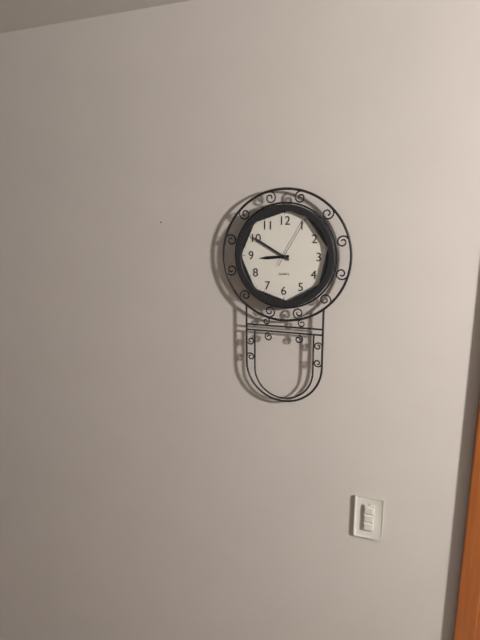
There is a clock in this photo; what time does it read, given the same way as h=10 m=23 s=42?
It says h=8 m=50 s=5
